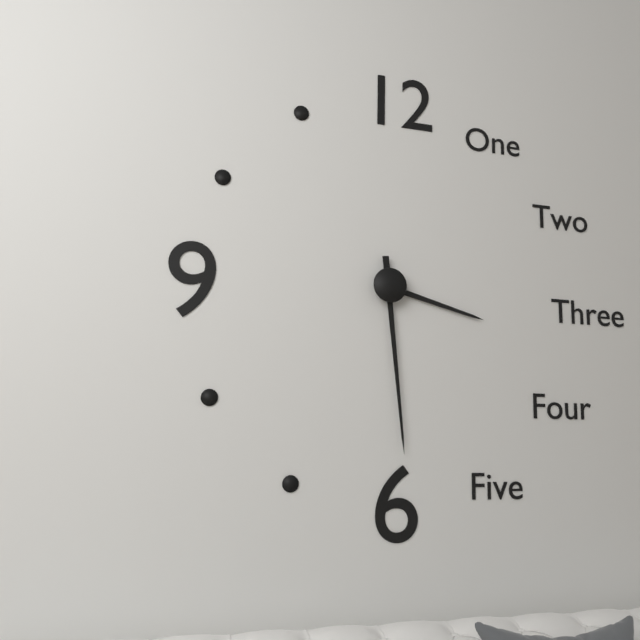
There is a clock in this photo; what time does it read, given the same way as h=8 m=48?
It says h=3 m=29
